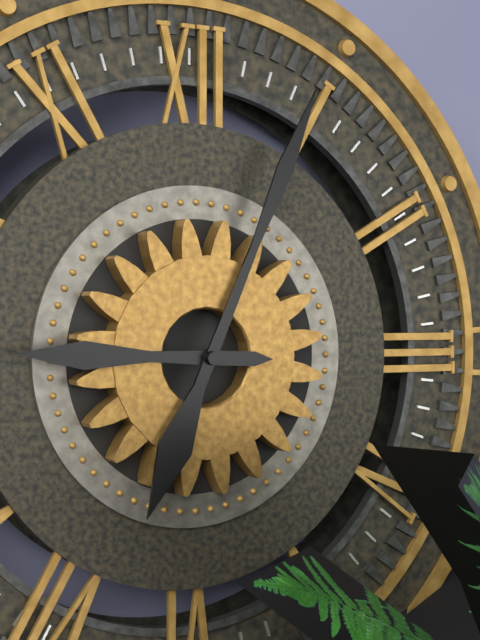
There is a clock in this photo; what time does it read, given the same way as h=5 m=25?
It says h=9 m=4
